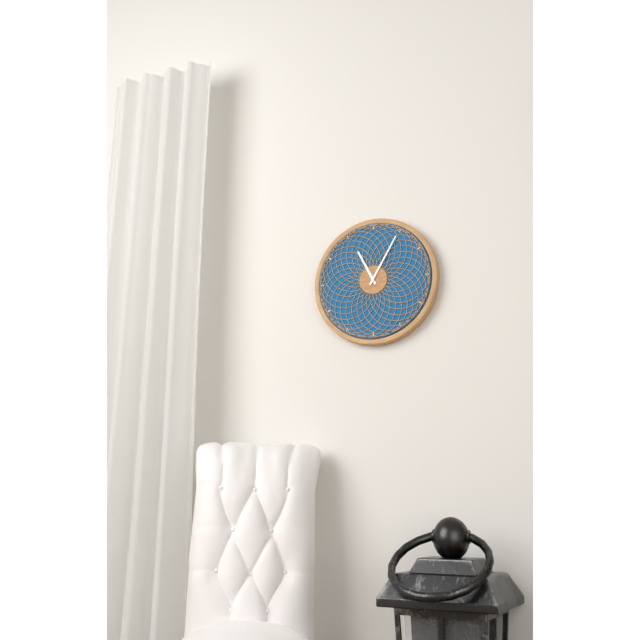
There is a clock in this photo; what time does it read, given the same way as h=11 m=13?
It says h=11 m=5
